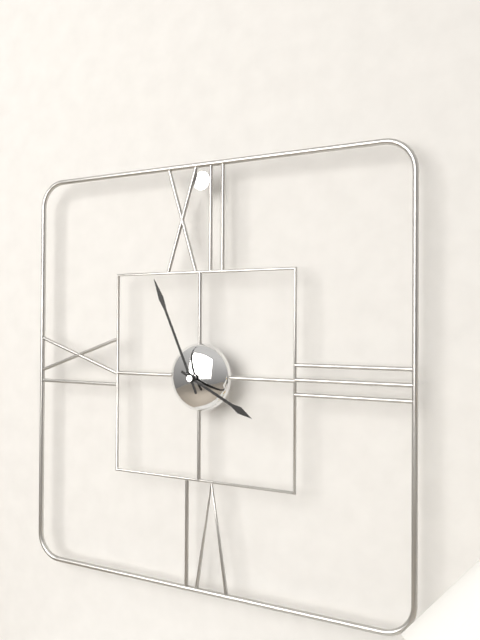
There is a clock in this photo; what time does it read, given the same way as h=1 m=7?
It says h=3 m=56
